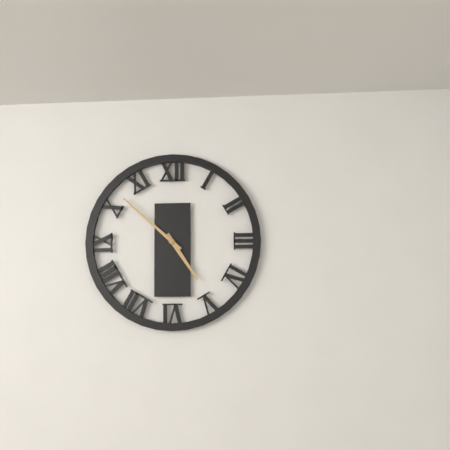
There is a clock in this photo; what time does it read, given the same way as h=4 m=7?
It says h=4 m=52
